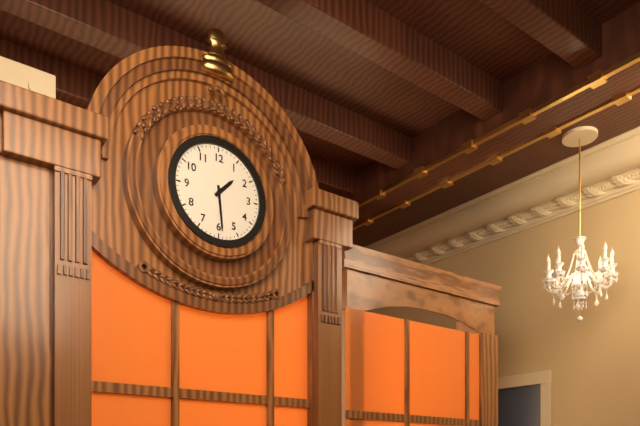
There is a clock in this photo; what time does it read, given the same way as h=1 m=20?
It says h=1 m=29
